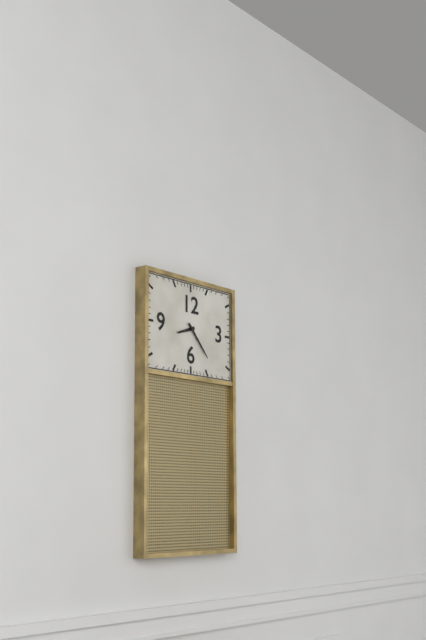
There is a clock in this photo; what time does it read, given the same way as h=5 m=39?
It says h=8 m=23
